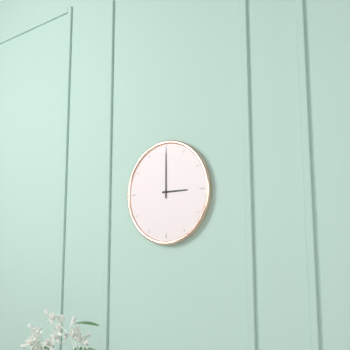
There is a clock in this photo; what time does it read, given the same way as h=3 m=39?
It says h=3 m=0
